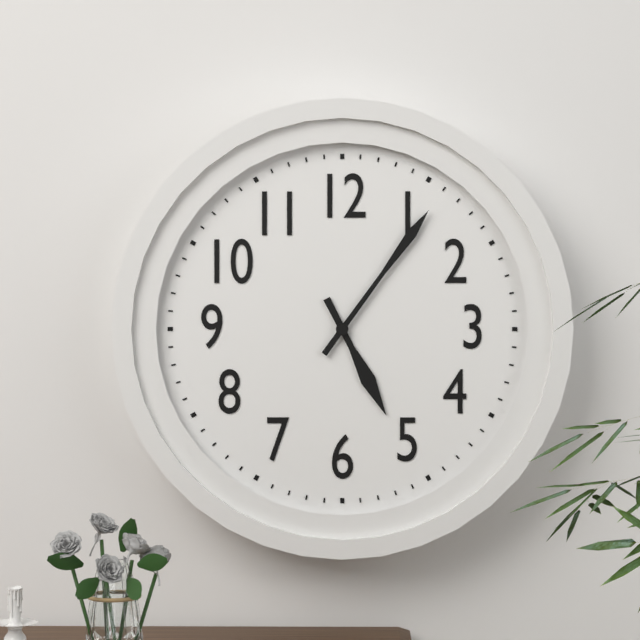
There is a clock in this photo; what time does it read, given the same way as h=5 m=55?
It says h=5 m=6
